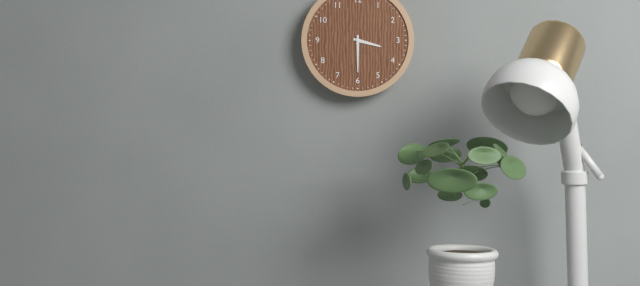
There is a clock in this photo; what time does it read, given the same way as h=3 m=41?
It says h=3 m=30
